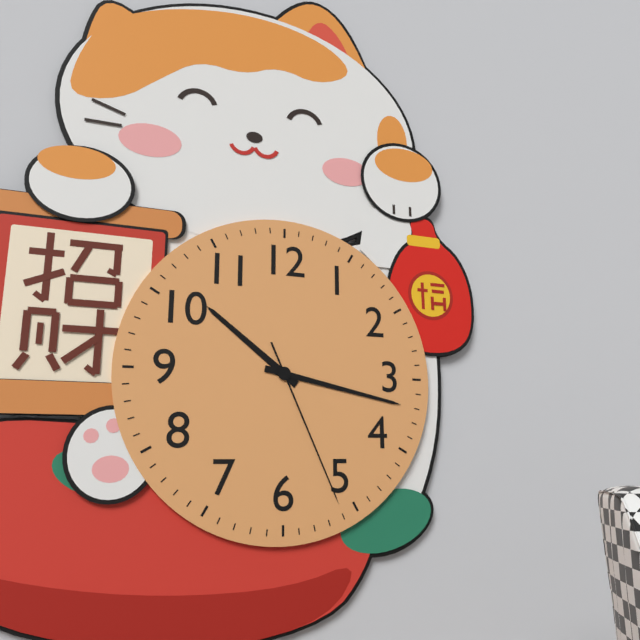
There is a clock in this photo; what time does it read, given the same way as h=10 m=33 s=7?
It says h=10 m=17 s=26
